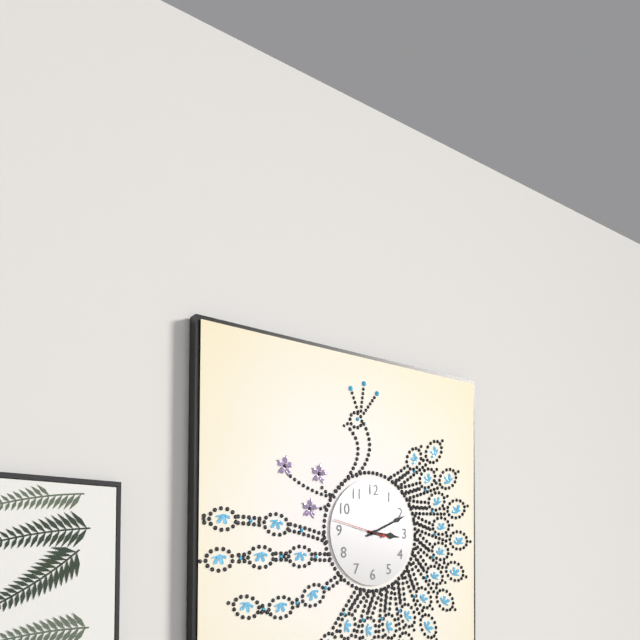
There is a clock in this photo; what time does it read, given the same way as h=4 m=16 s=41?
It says h=3 m=11 s=47
